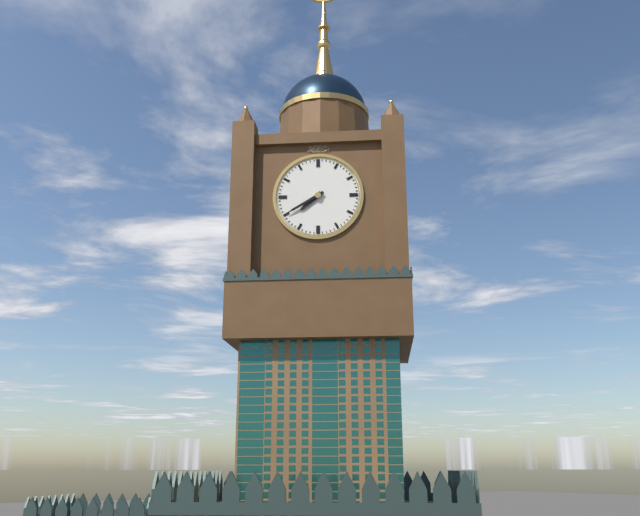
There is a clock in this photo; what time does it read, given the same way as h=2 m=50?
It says h=7 m=40
